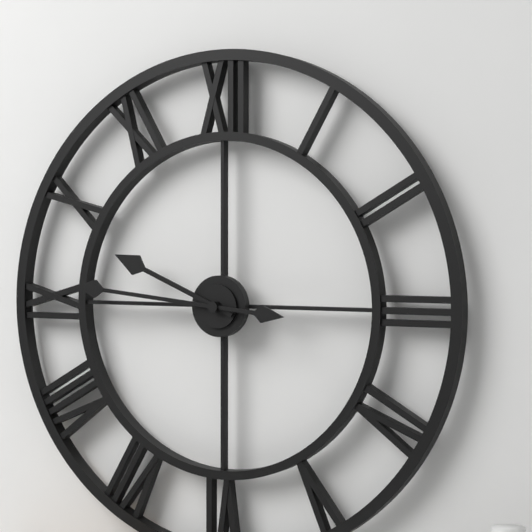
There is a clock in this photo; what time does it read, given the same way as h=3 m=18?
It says h=9 m=46
